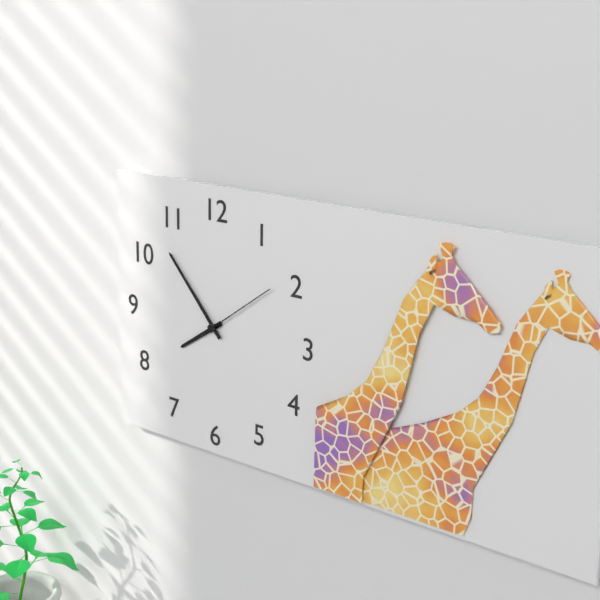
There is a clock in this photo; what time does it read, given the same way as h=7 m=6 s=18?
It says h=7 m=53 s=9
